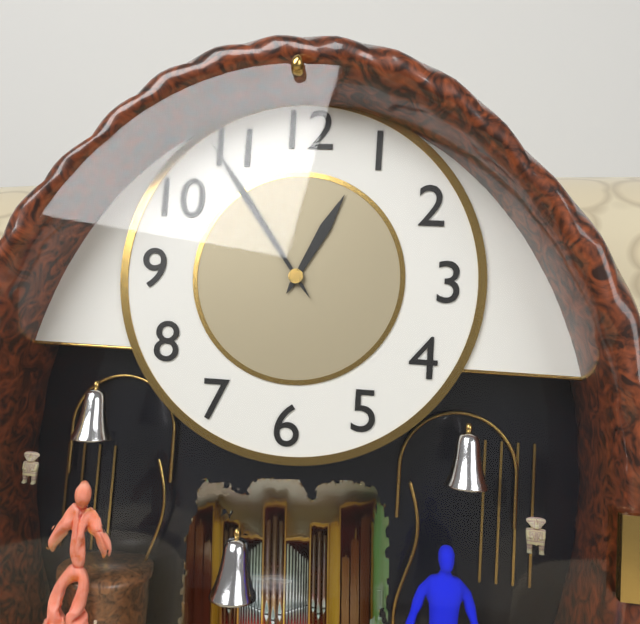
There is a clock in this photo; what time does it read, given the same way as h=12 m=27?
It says h=12 m=54
